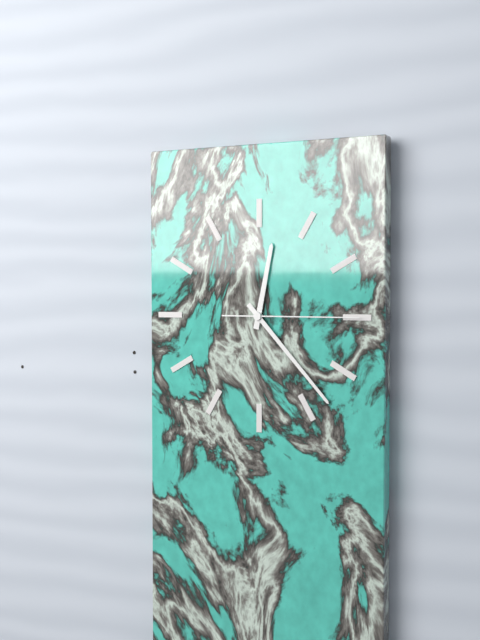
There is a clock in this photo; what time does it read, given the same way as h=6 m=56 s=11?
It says h=12 m=23 s=15
